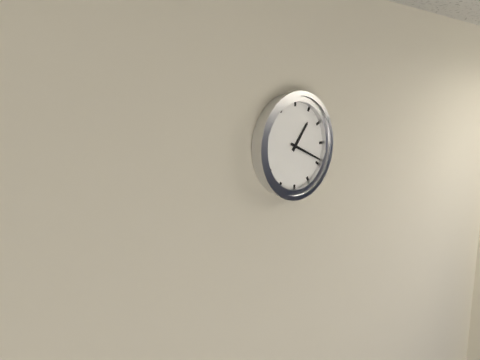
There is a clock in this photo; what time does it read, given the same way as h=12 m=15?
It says h=1 m=19
